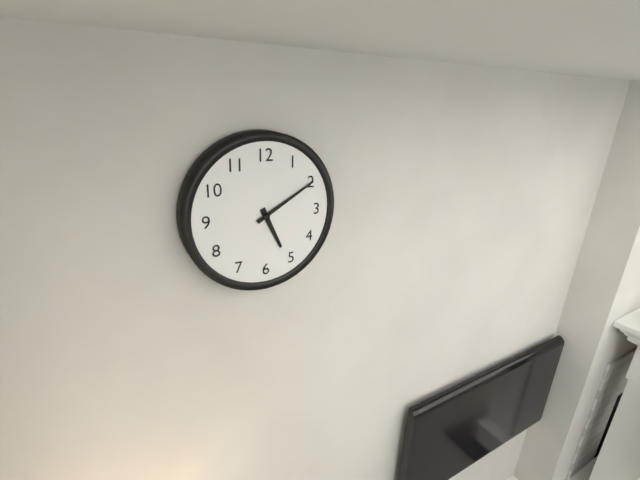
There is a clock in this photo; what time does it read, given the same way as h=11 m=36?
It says h=5 m=10
